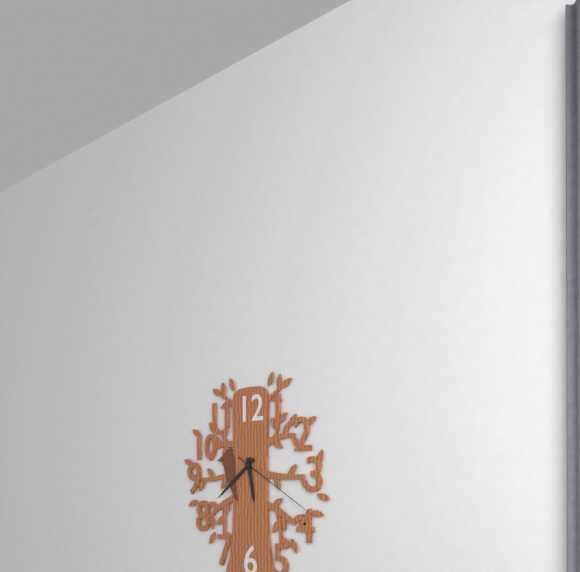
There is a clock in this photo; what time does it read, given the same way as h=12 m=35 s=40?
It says h=5 m=39 s=20
